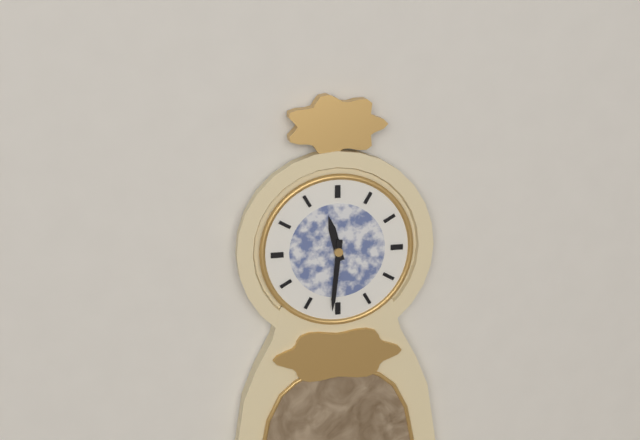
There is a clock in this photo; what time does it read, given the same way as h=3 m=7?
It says h=11 m=31
